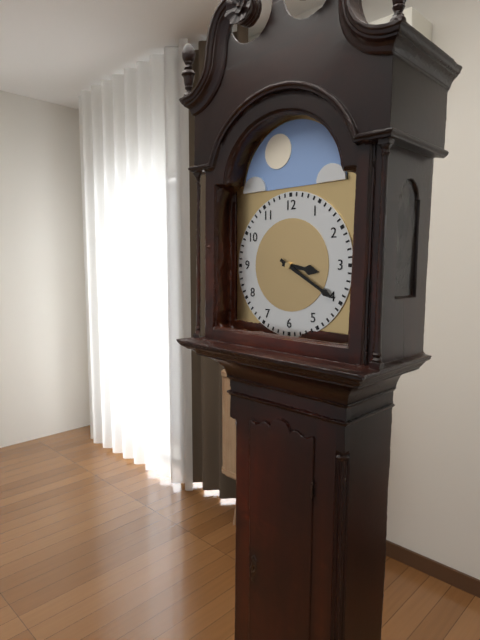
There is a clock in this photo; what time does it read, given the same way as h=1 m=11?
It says h=3 m=20
